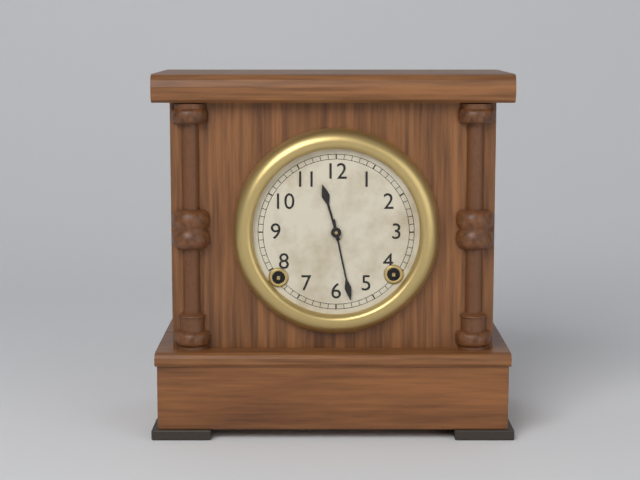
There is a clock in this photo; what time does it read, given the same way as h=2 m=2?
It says h=11 m=28
